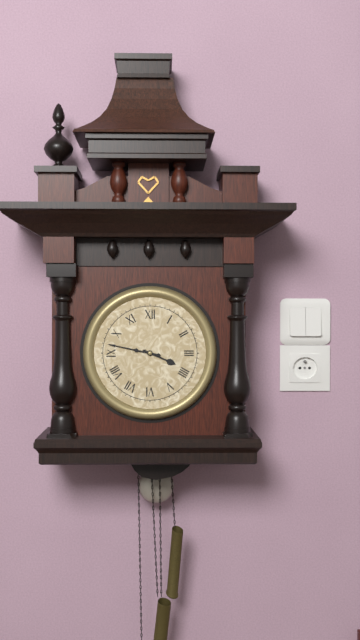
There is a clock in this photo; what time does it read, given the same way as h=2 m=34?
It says h=3 m=47
